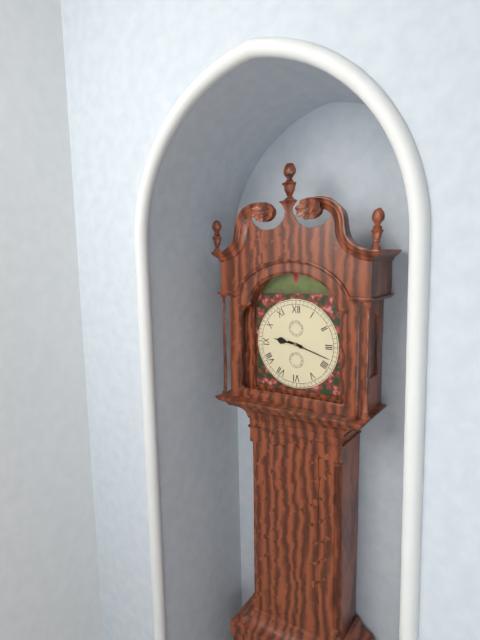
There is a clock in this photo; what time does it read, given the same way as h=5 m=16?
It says h=9 m=18
